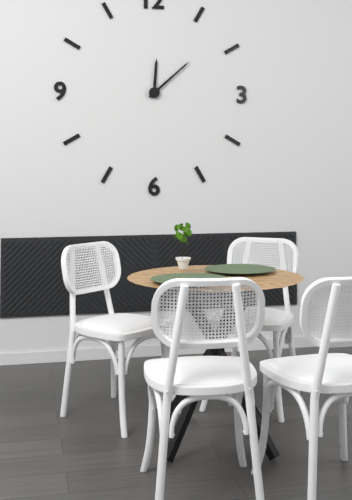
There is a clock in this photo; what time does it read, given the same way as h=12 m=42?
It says h=12 m=8
